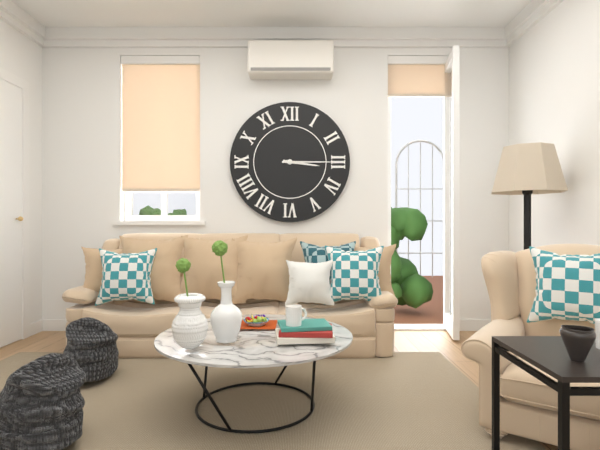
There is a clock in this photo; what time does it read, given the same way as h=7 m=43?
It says h=3 m=15
